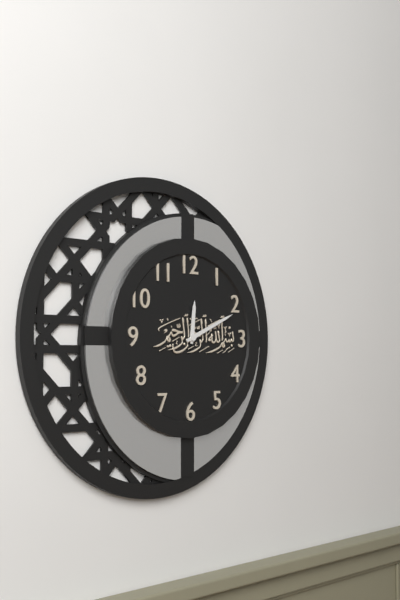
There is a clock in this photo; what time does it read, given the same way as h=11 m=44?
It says h=12 m=11
